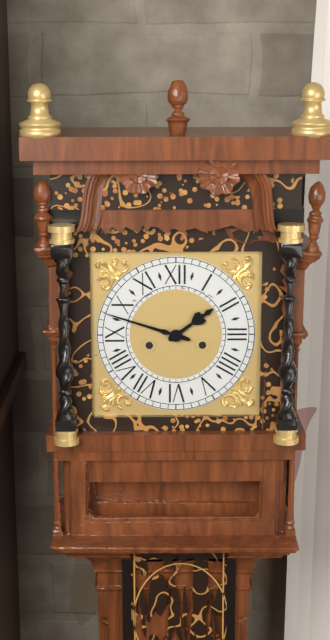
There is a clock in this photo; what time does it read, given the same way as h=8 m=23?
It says h=1 m=48
